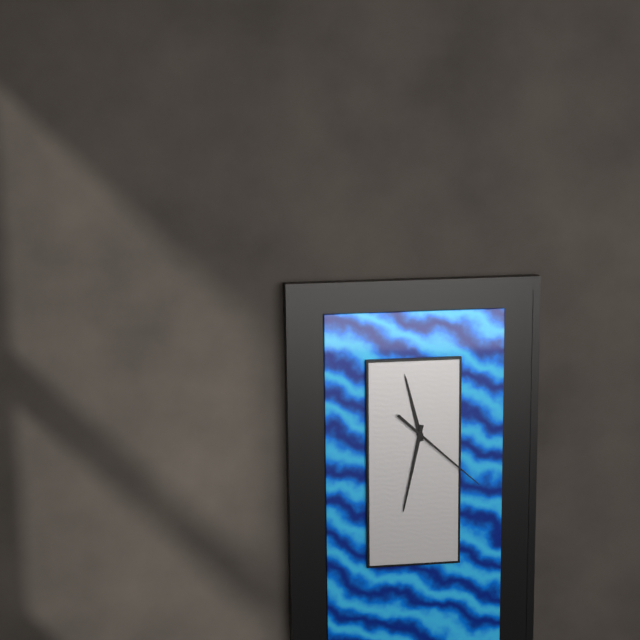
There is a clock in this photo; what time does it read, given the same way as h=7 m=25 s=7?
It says h=11 m=32 s=22
